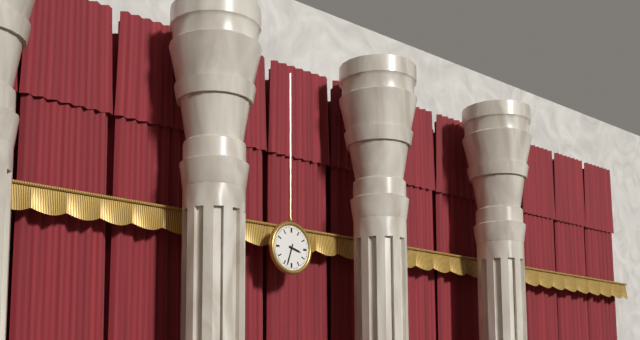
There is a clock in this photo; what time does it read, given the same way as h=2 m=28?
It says h=3 m=33
